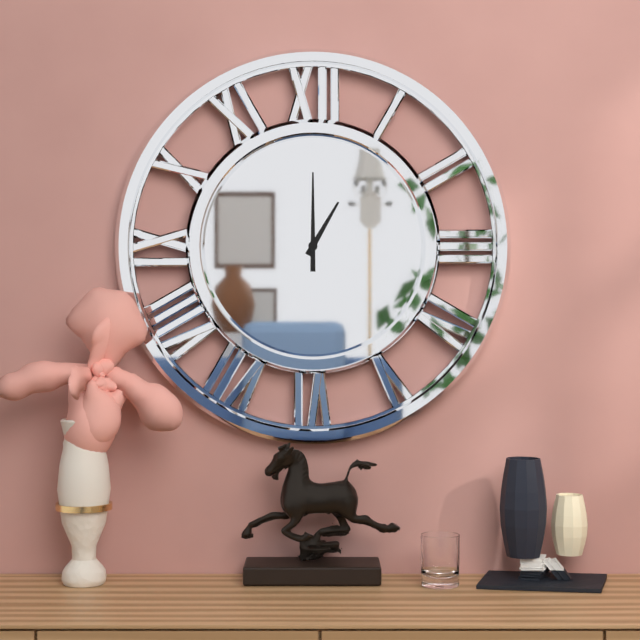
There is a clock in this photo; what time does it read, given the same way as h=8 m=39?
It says h=1 m=0
